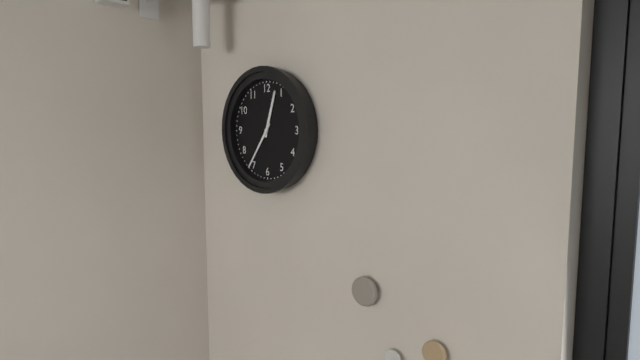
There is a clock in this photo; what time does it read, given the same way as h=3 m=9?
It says h=12 m=36
